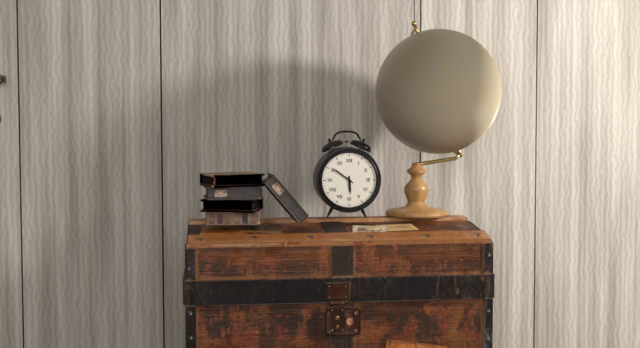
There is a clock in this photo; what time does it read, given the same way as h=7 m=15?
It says h=5 m=51
